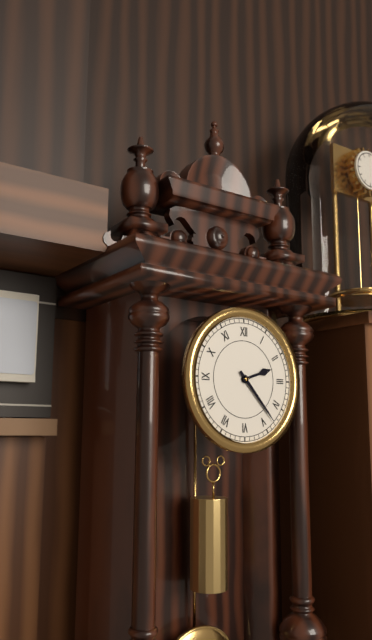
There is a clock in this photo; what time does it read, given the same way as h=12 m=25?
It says h=2 m=23
